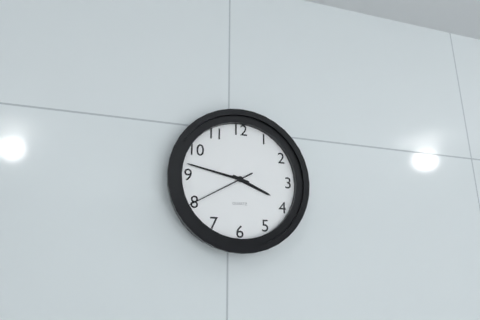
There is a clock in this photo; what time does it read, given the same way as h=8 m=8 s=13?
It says h=3 m=47 s=40
